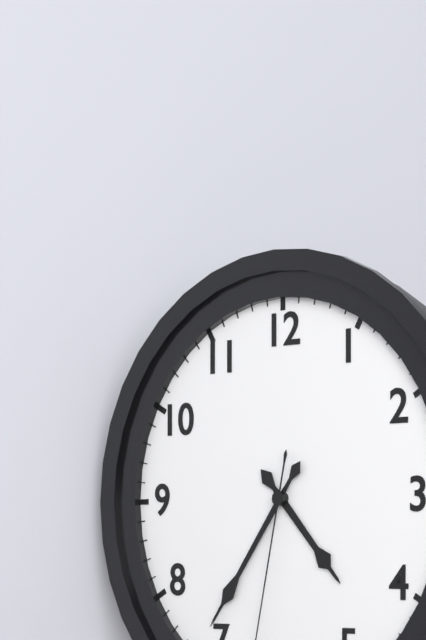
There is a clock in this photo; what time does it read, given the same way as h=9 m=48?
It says h=4 m=36
